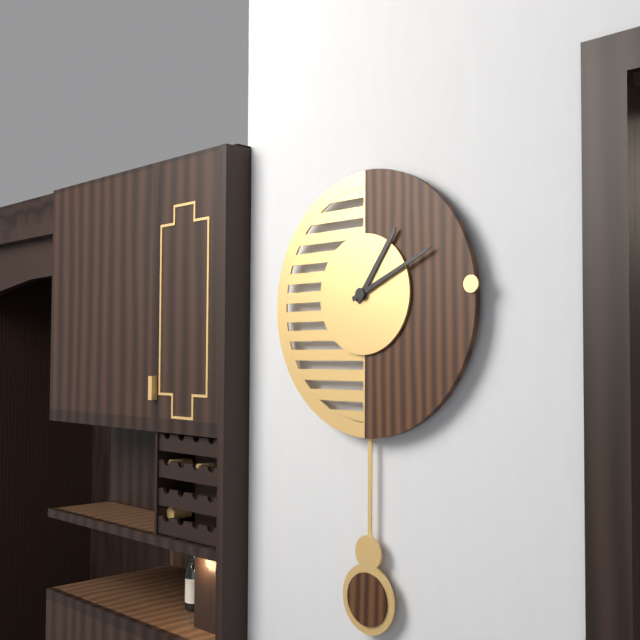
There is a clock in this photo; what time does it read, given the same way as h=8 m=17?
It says h=1 m=11
